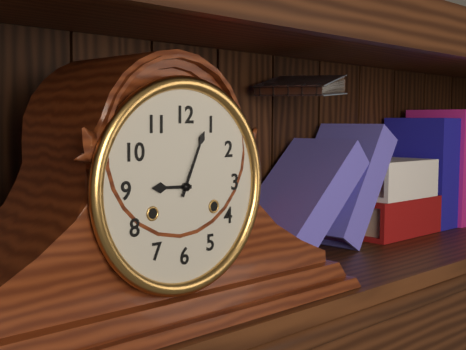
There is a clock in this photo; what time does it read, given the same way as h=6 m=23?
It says h=9 m=4
